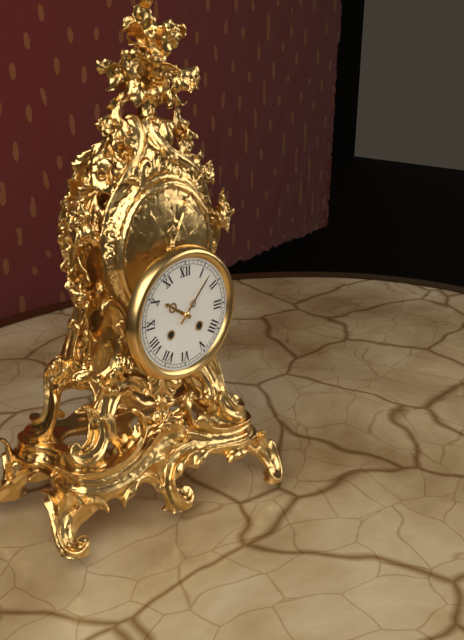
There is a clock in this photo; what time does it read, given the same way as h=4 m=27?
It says h=10 m=7
